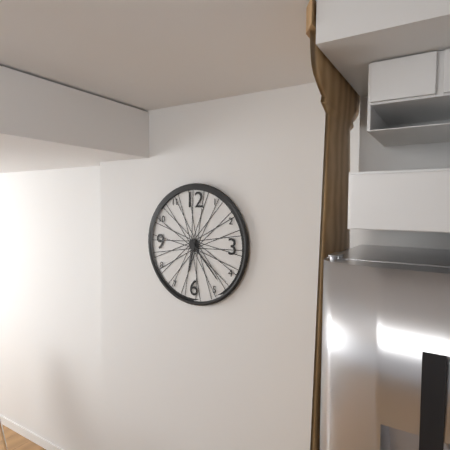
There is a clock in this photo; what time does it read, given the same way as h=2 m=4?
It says h=6 m=23
